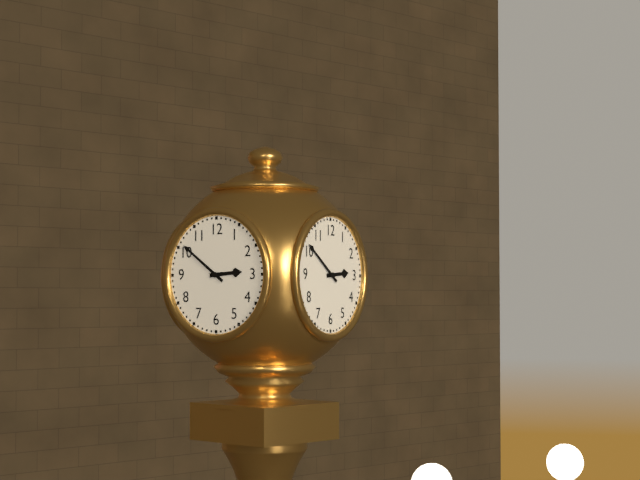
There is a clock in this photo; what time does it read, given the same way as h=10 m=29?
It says h=2 m=51
